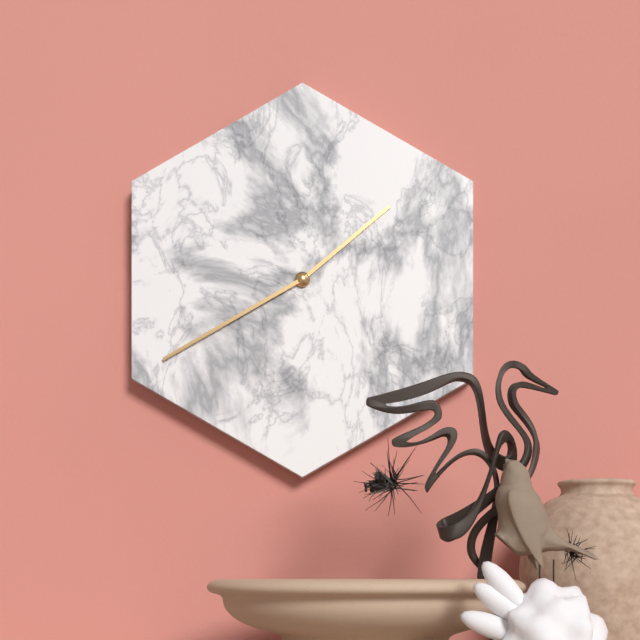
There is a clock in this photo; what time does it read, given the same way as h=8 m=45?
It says h=1 m=40
